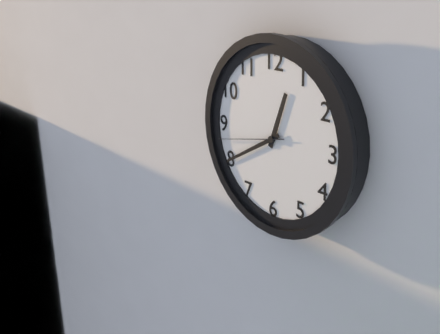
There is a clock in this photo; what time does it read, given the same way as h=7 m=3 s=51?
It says h=12 m=40 s=43
